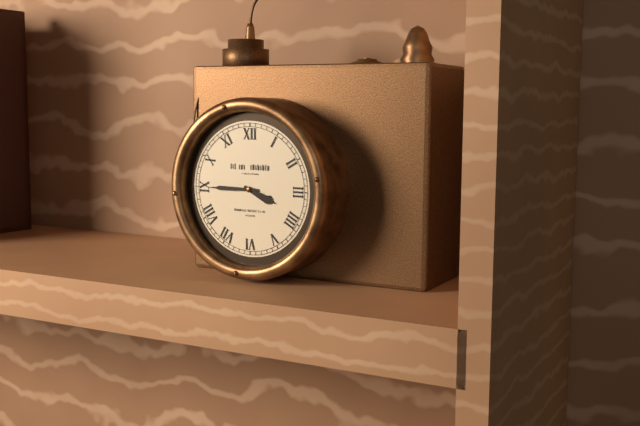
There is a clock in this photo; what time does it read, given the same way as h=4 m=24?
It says h=3 m=45
